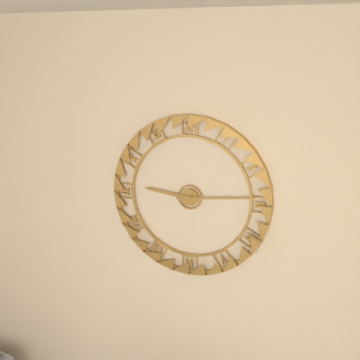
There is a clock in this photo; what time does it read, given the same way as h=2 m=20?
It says h=9 m=14
